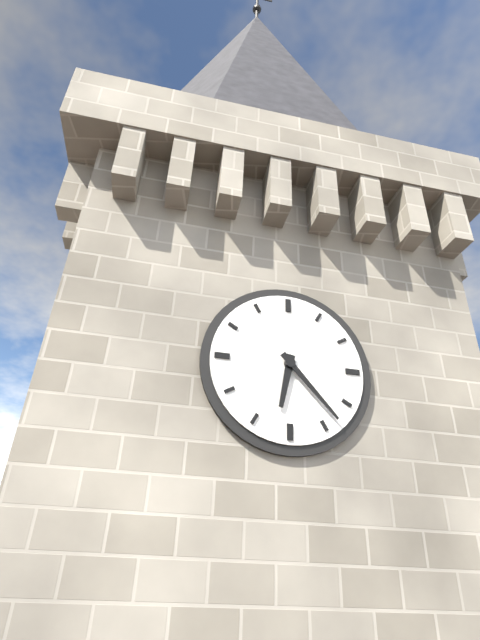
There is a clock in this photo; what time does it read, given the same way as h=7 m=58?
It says h=6 m=23
